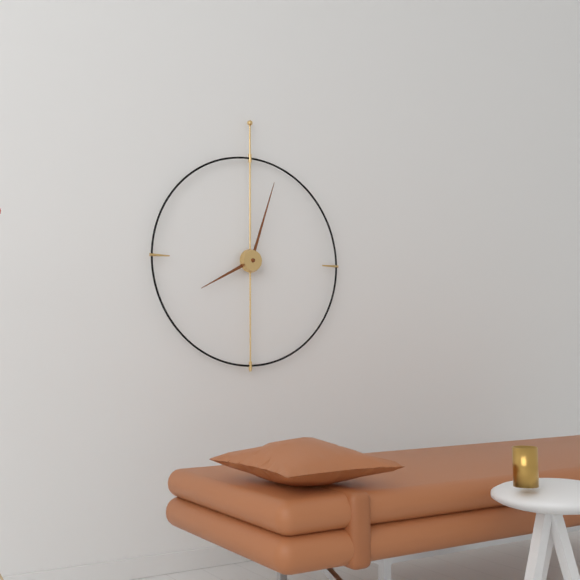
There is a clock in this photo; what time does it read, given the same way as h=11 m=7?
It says h=8 m=3
